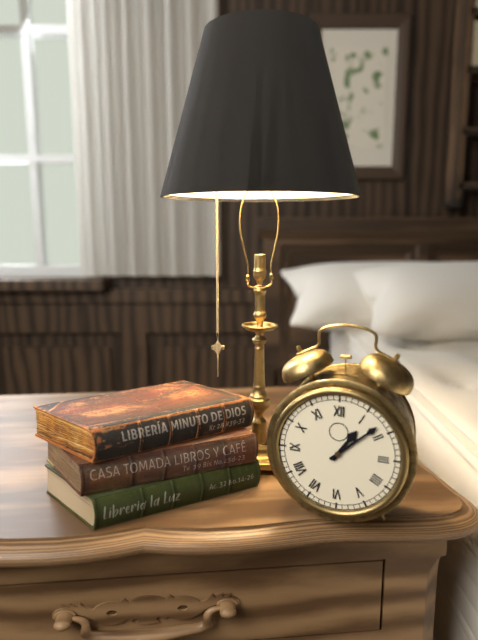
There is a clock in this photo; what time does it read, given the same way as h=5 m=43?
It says h=1 m=8
